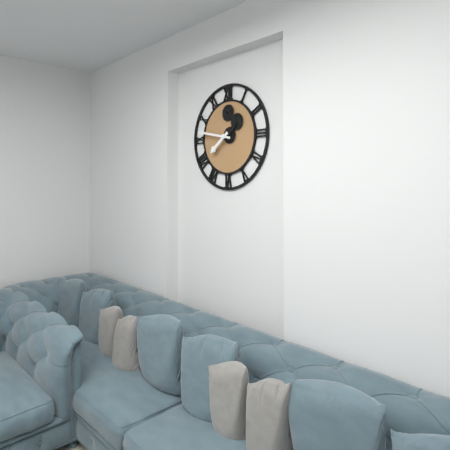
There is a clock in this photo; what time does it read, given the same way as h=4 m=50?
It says h=7 m=47
